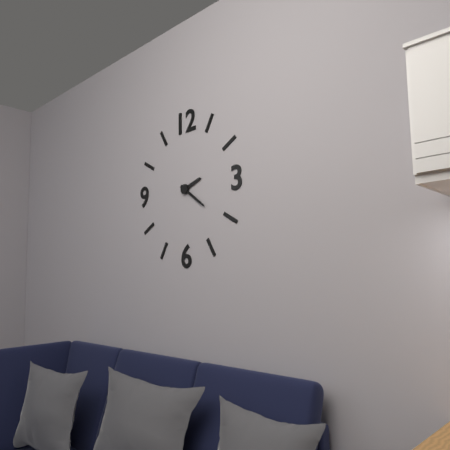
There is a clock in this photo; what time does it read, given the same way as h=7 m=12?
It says h=2 m=21
